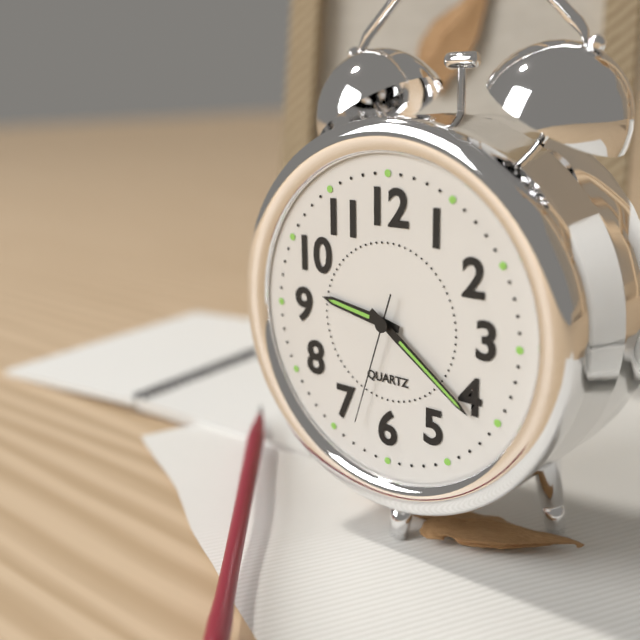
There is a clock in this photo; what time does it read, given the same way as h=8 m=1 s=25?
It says h=9 m=21 s=33
